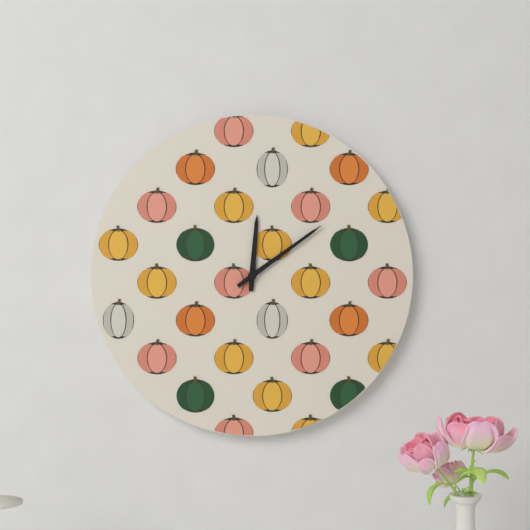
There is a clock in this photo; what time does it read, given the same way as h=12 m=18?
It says h=12 m=9
